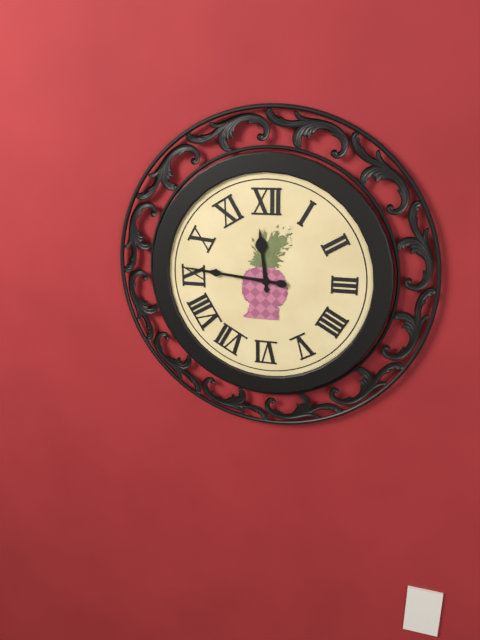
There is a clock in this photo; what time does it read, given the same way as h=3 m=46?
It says h=11 m=46
